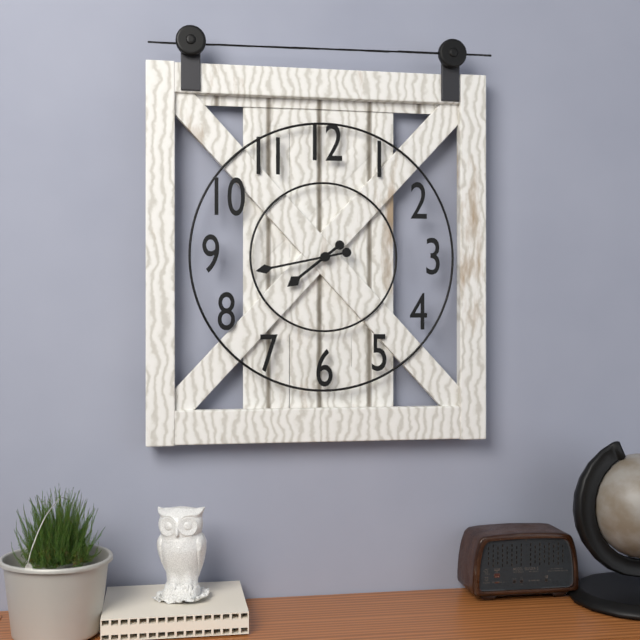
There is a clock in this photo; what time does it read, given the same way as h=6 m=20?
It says h=7 m=43
